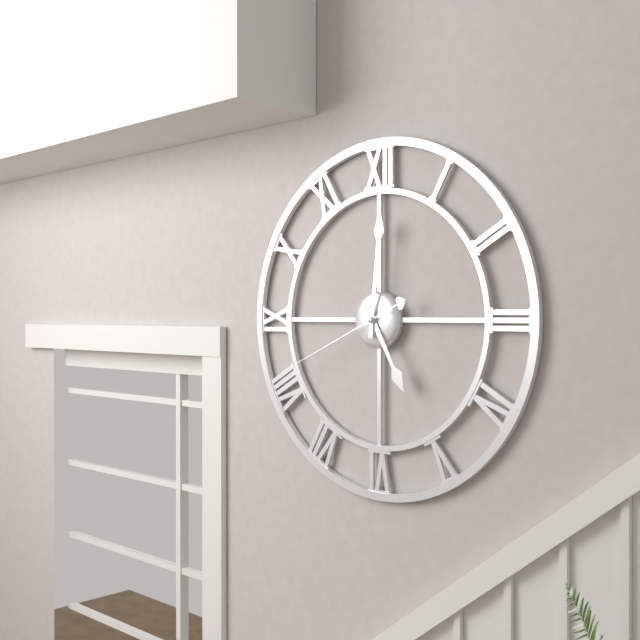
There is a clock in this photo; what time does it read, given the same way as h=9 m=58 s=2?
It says h=5 m=1 s=41
